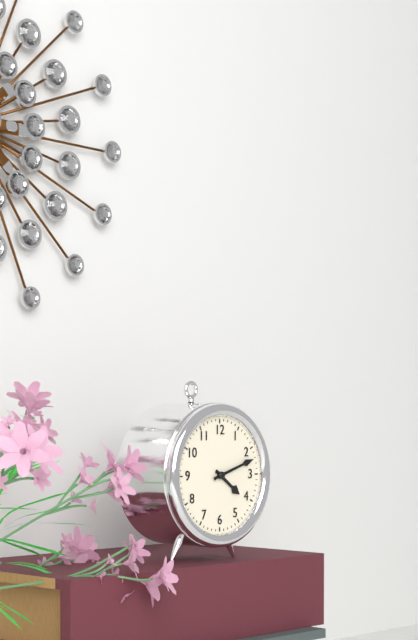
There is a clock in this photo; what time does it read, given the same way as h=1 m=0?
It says h=4 m=12
